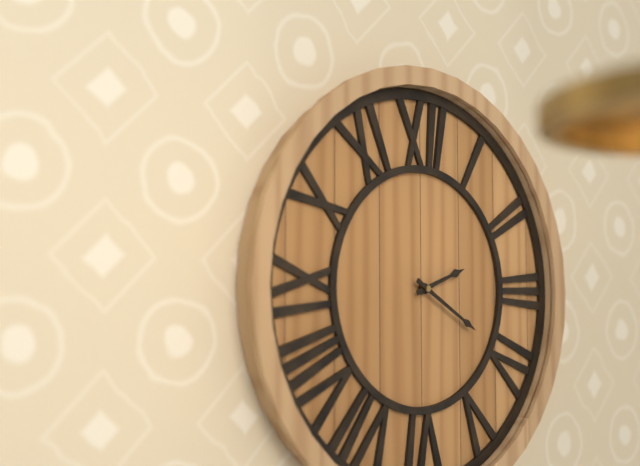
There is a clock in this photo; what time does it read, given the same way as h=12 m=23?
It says h=2 m=20
